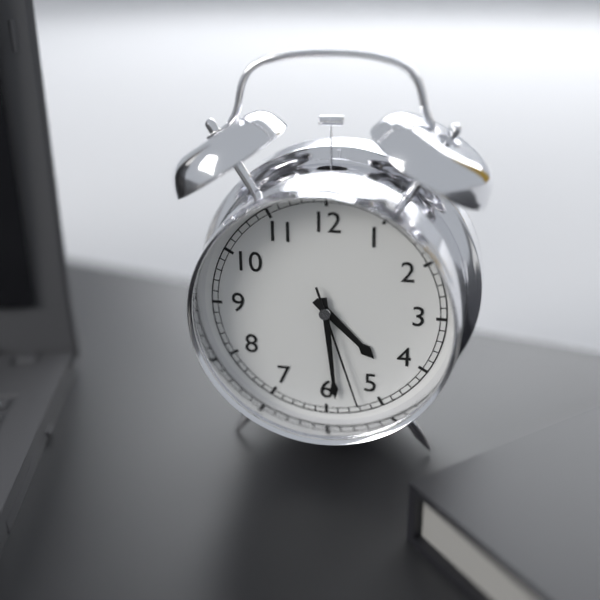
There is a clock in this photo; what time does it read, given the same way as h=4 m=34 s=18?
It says h=4 m=29 s=27
